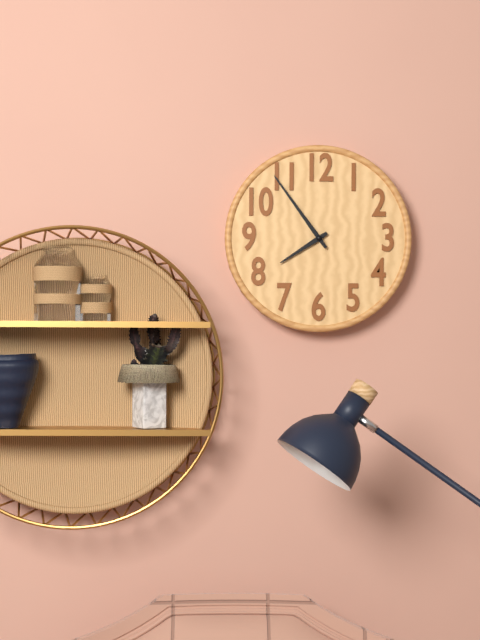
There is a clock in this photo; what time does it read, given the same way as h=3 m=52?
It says h=7 m=54
